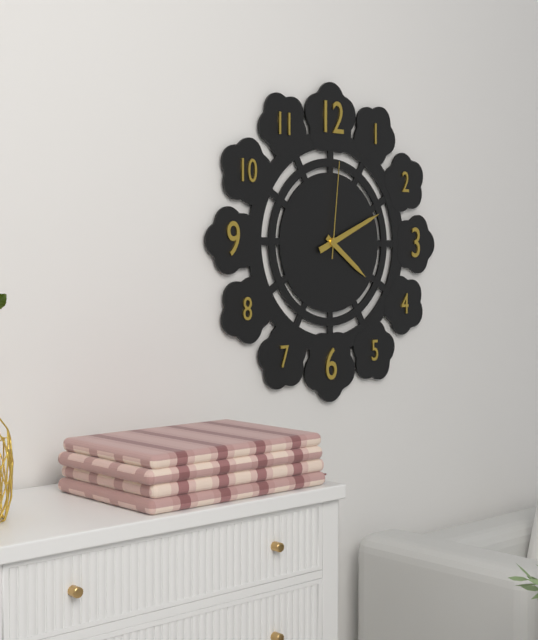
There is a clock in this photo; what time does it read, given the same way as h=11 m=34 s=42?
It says h=4 m=11 s=1
